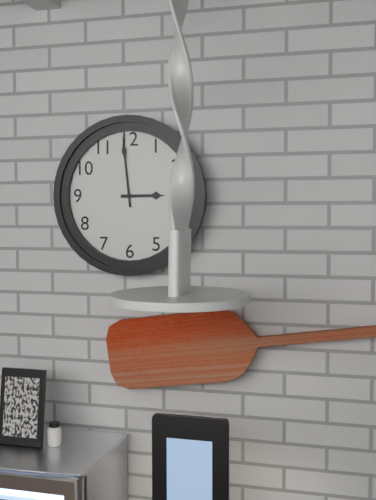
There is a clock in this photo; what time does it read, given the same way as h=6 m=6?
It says h=2 m=59
